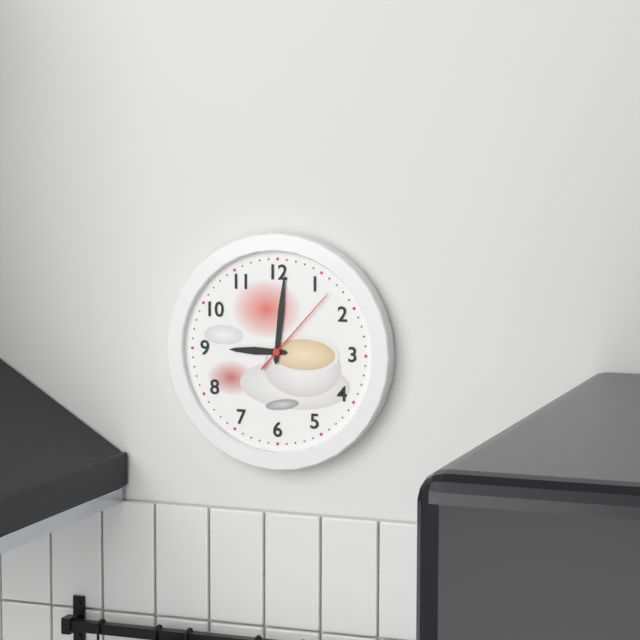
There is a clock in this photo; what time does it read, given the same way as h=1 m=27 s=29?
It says h=9 m=1 s=7
